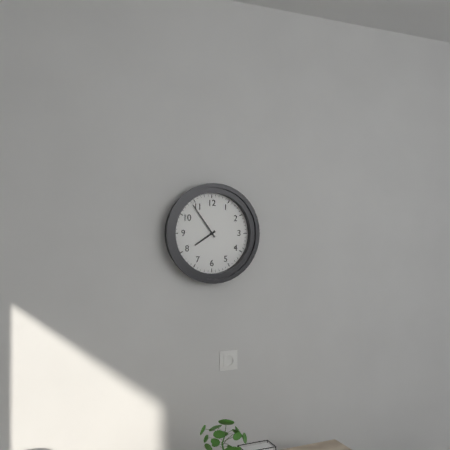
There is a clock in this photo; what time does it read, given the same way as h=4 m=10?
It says h=7 m=54
